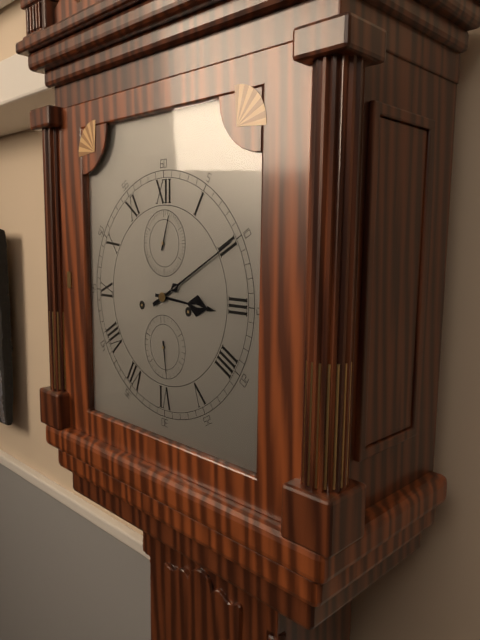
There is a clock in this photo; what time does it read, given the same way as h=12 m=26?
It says h=3 m=10
